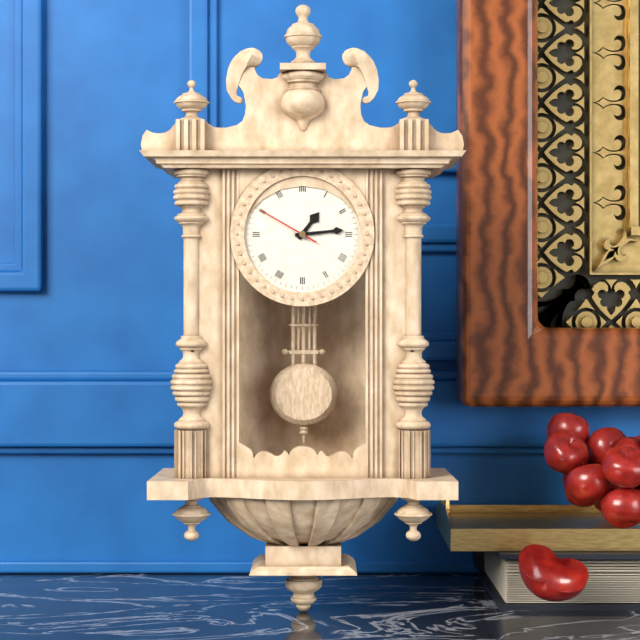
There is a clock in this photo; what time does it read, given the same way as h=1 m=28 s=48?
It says h=1 m=14 s=50
